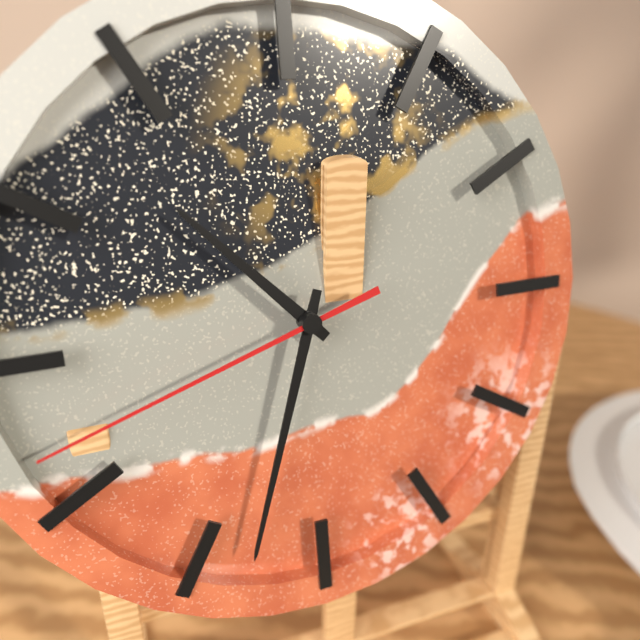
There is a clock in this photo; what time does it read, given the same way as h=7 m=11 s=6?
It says h=10 m=33 s=42
